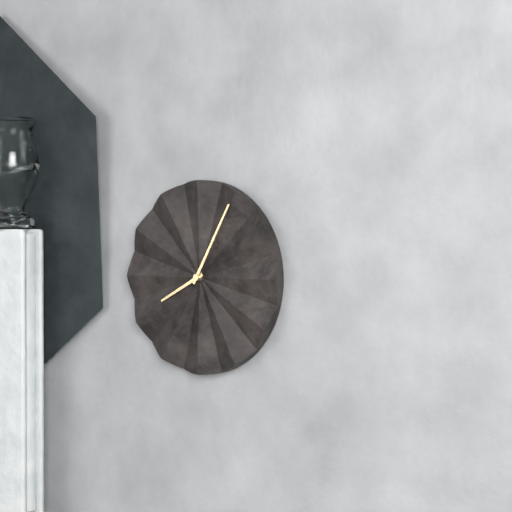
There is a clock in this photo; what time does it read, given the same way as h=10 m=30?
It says h=8 m=5
